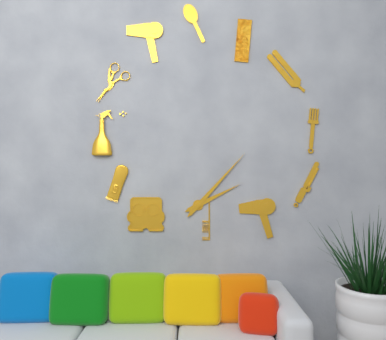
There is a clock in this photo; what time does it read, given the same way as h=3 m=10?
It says h=2 m=7
